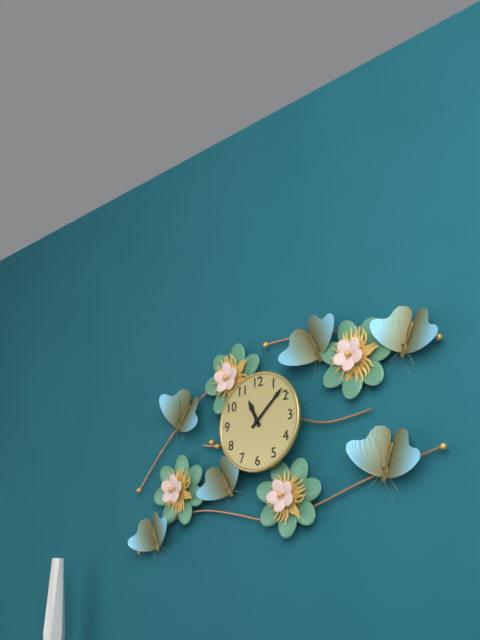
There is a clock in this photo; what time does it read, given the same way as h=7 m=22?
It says h=11 m=8
